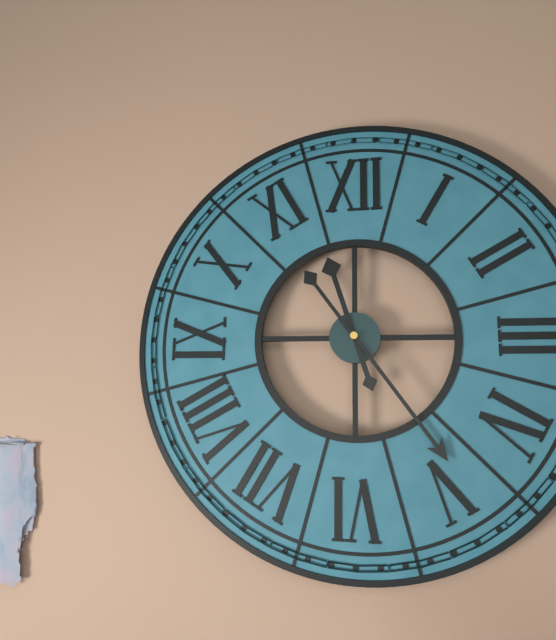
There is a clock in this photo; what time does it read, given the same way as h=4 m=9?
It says h=11 m=24
